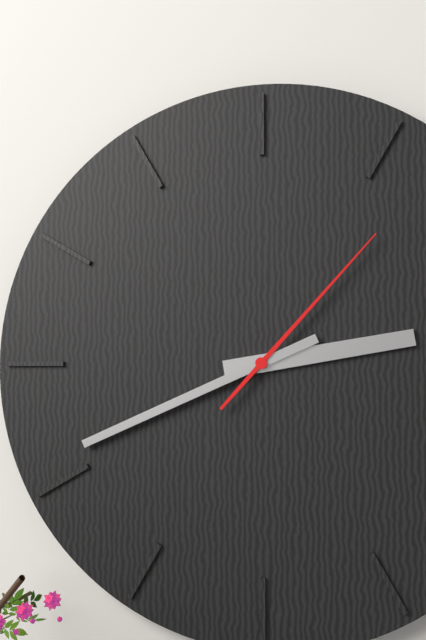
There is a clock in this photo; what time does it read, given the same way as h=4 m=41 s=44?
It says h=2 m=41 s=7
